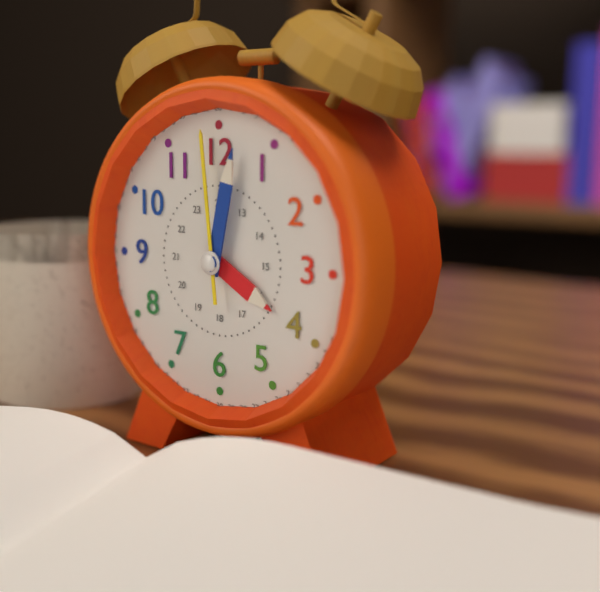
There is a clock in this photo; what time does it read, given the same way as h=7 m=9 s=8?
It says h=4 m=2 s=59
